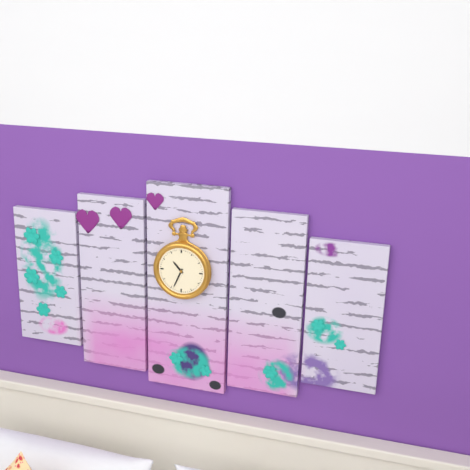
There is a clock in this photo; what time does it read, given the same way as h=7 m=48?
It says h=10 m=34
